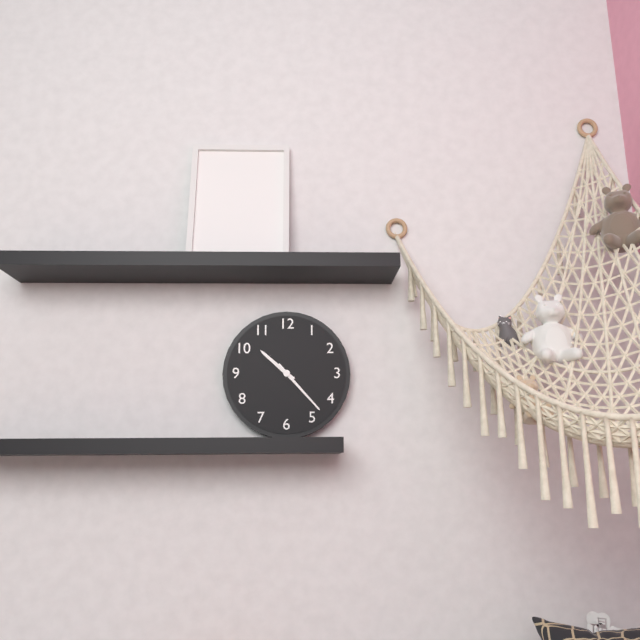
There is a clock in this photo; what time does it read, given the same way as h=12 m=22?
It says h=10 m=23
